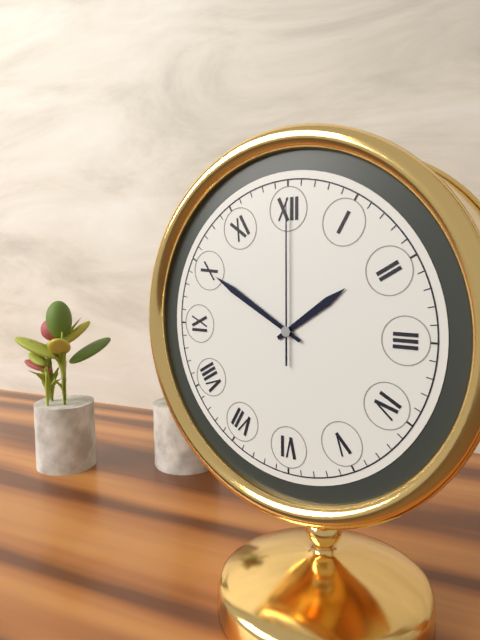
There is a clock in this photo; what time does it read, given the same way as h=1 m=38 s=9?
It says h=1 m=50 s=0
